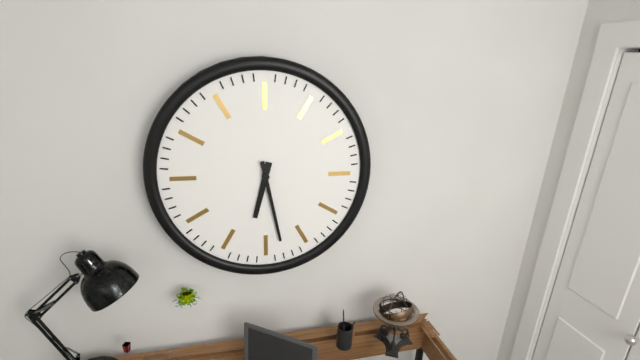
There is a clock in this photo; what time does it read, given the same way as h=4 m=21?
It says h=6 m=28
